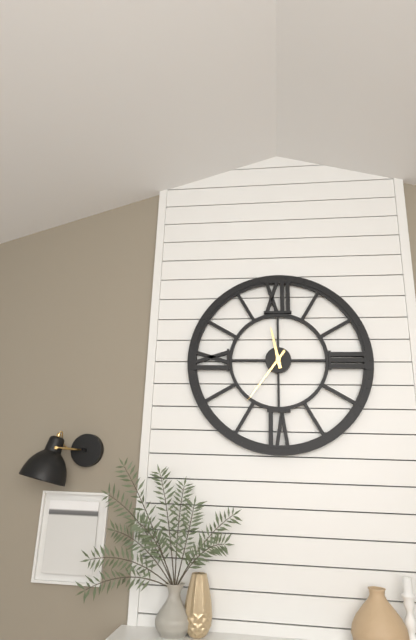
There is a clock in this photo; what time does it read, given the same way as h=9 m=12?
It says h=11 m=36
